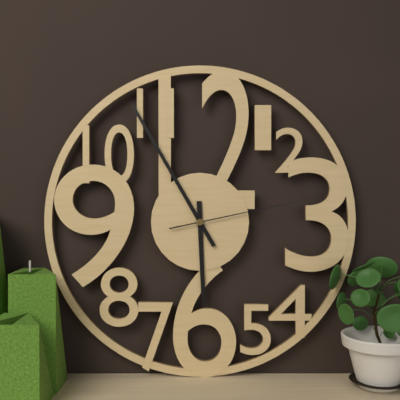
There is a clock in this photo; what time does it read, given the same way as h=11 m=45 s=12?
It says h=5 m=55 s=13
